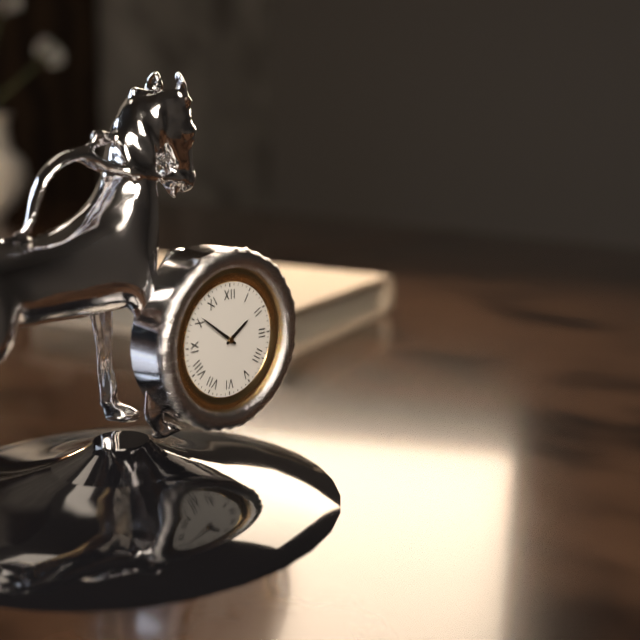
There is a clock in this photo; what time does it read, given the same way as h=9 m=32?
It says h=1 m=51
